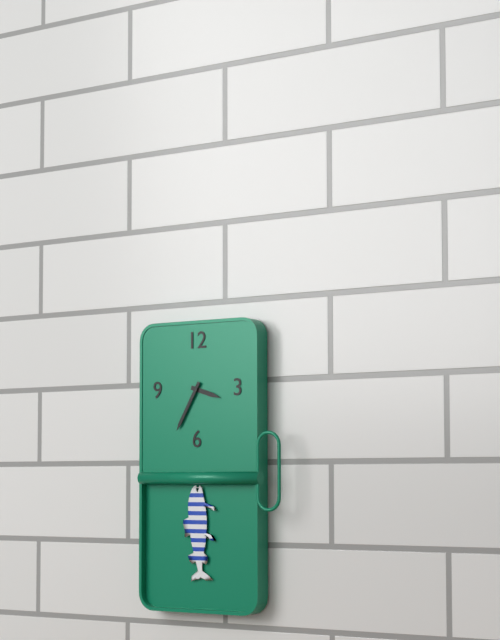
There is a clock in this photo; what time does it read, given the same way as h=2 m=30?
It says h=3 m=35
